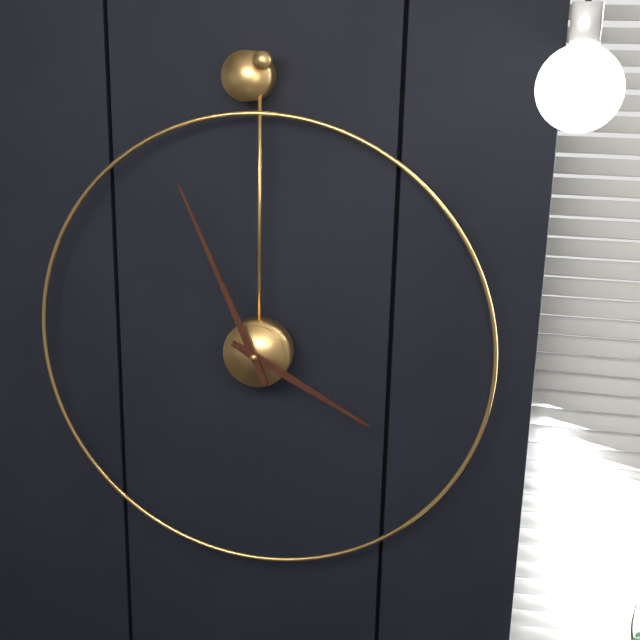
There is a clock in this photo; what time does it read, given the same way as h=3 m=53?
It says h=3 m=56
